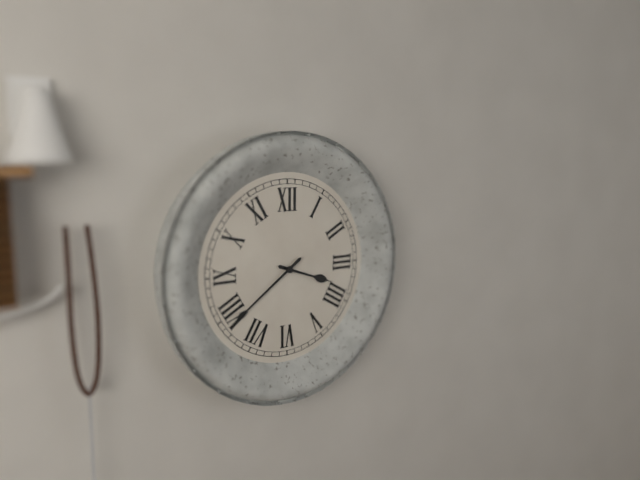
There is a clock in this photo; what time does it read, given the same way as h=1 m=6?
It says h=3 m=39
